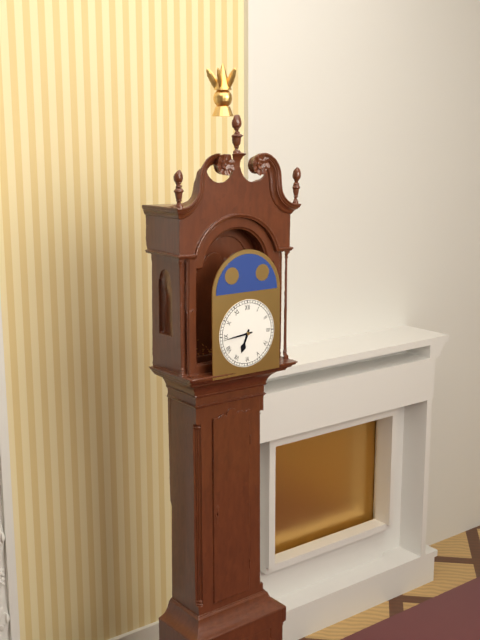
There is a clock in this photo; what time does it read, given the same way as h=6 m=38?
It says h=6 m=44
